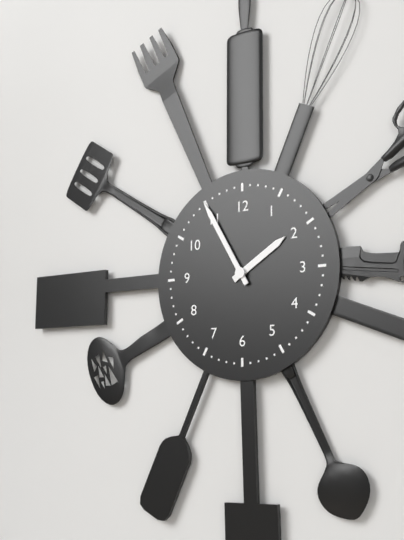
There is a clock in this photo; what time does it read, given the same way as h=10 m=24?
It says h=1 m=55
